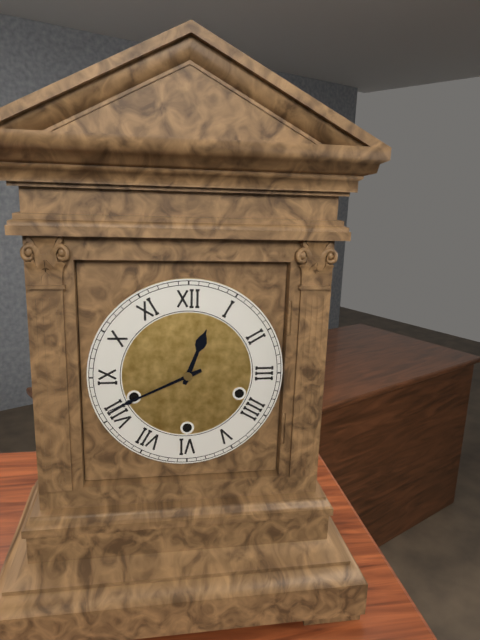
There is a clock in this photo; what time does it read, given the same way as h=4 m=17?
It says h=12 m=41
